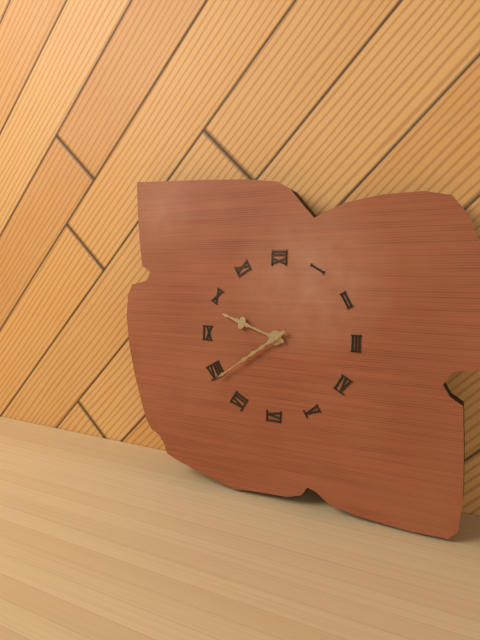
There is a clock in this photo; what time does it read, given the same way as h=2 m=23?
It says h=9 m=39
